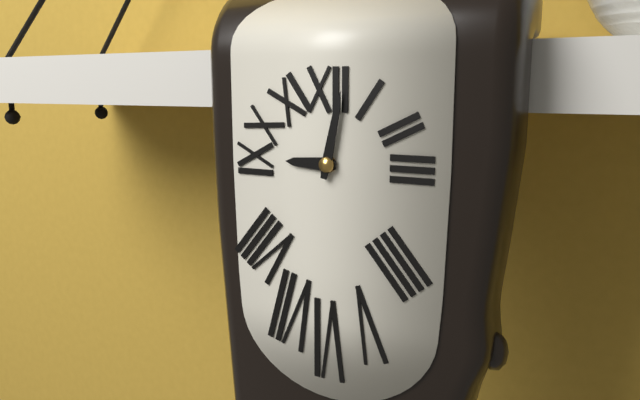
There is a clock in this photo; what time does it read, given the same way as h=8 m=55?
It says h=9 m=2
